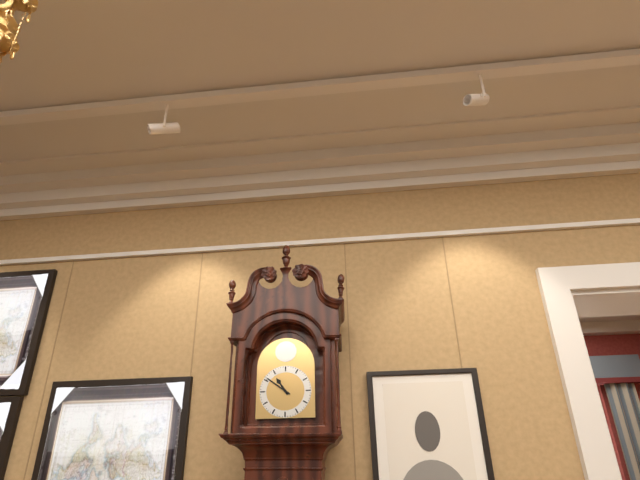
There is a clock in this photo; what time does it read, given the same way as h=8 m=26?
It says h=10 m=51
